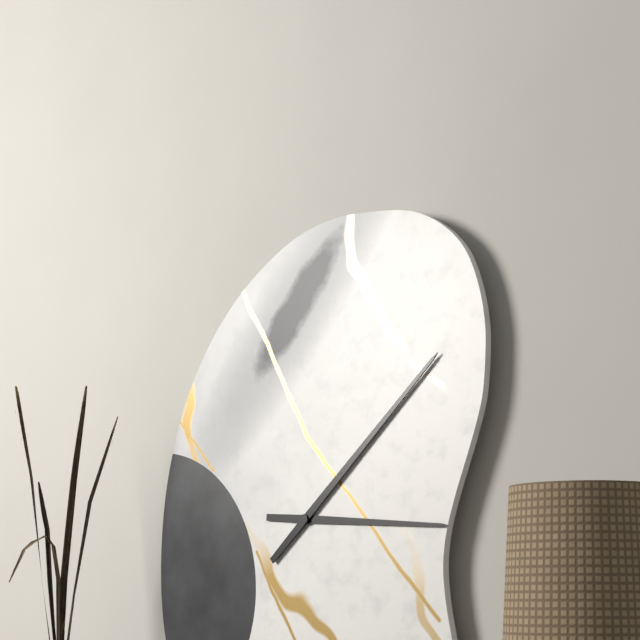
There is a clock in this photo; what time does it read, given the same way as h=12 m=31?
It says h=3 m=8
